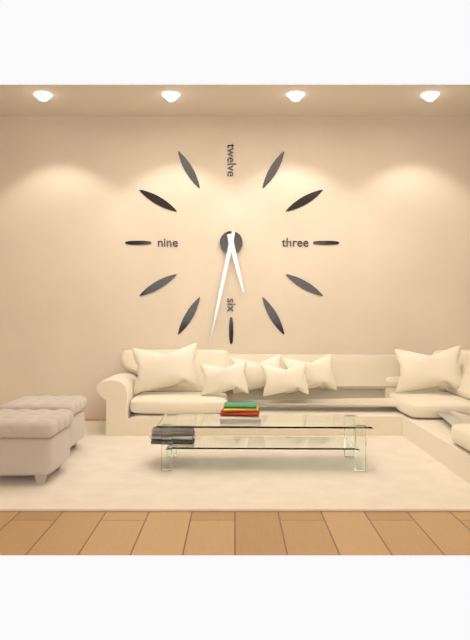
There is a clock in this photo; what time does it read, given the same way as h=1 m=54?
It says h=5 m=32
